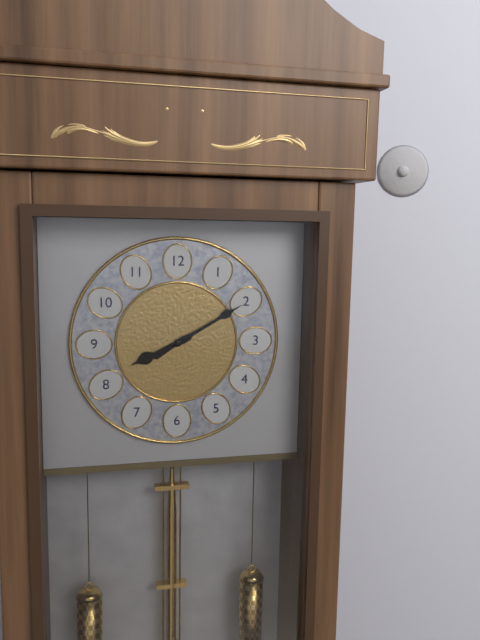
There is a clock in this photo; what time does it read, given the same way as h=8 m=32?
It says h=8 m=10
